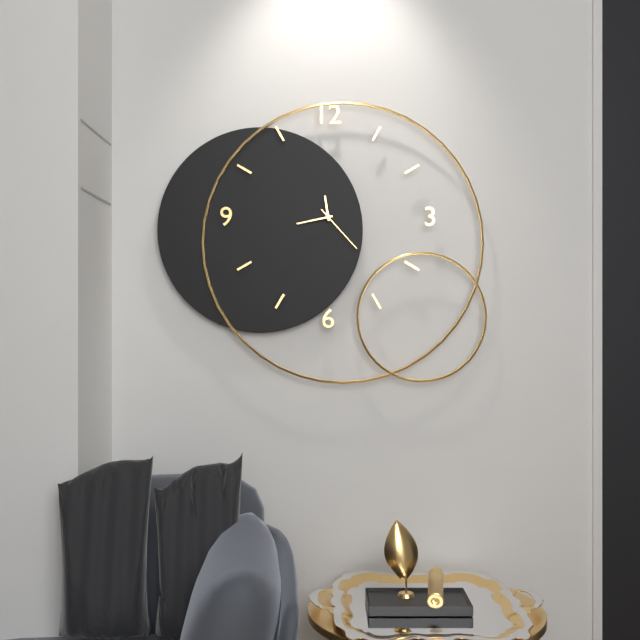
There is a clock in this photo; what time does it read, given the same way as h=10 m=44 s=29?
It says h=11 m=43 s=23
